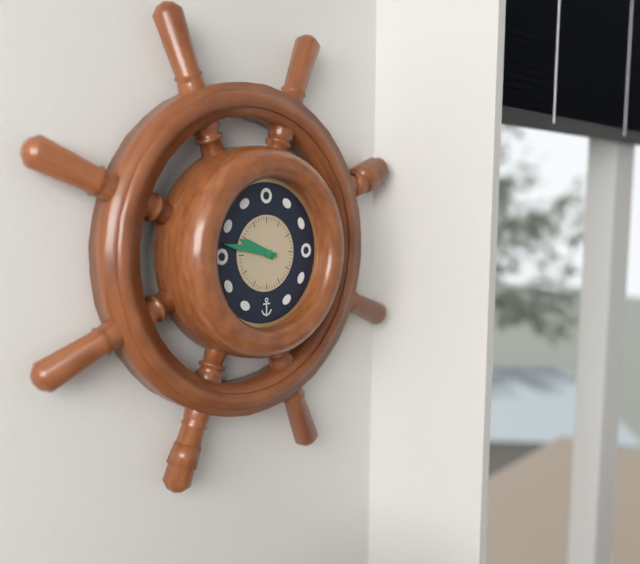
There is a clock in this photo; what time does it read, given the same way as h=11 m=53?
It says h=9 m=47
